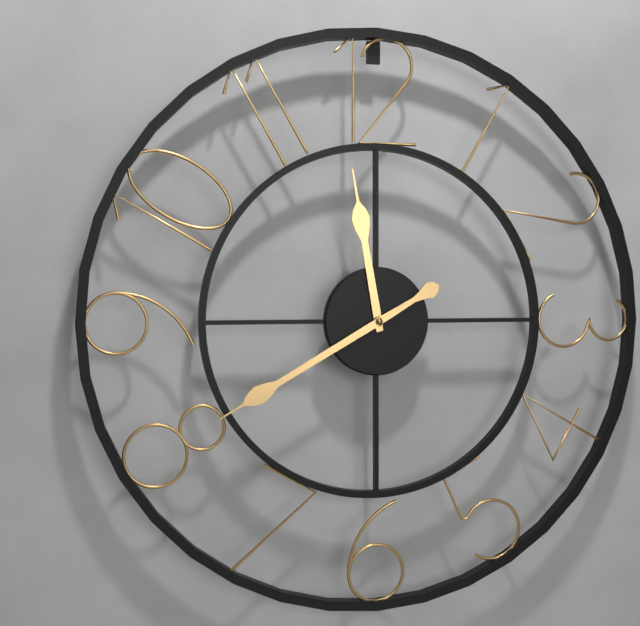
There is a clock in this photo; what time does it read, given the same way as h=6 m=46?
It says h=11 m=40
